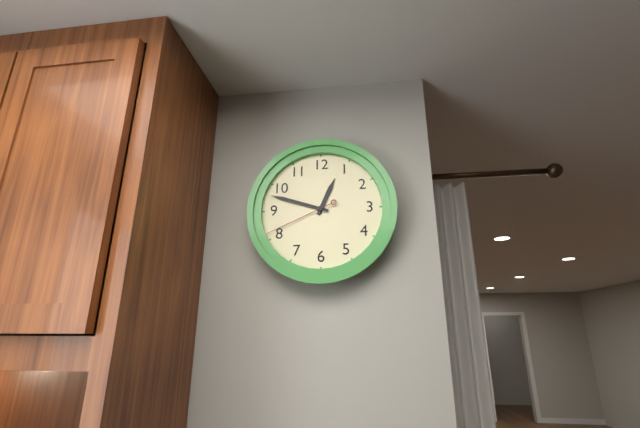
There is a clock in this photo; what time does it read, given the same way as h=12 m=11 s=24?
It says h=12 m=48 s=41
